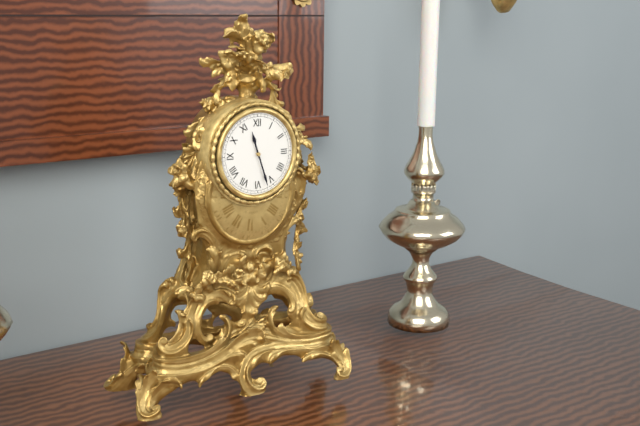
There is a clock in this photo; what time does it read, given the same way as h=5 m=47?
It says h=11 m=27
